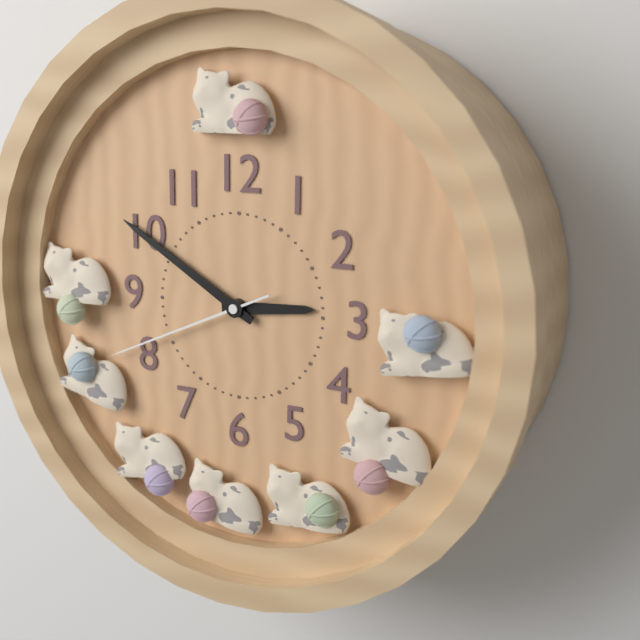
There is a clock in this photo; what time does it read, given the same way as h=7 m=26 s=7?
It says h=2 m=50 s=41
